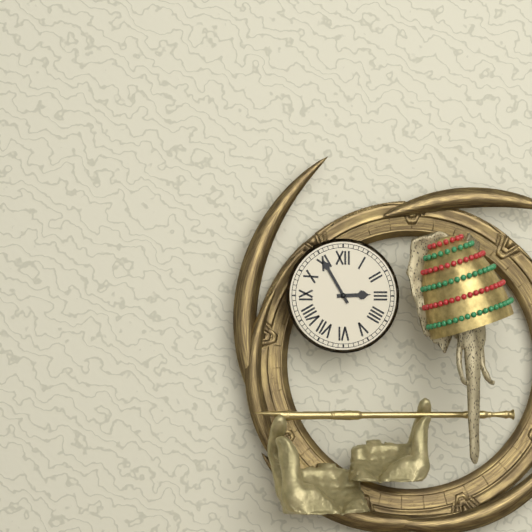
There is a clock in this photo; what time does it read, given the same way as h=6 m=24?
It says h=2 m=55
